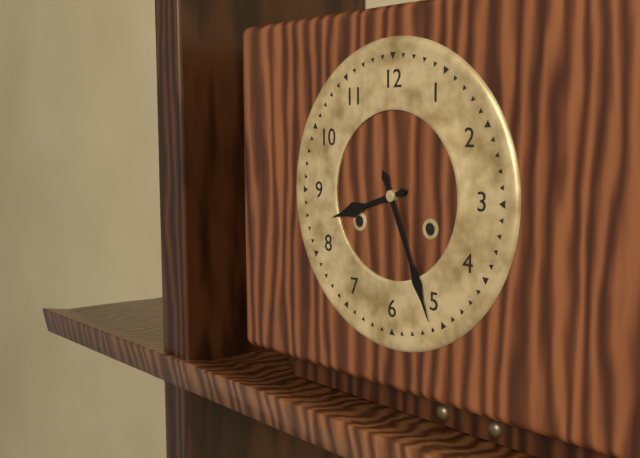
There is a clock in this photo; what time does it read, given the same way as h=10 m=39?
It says h=8 m=26
